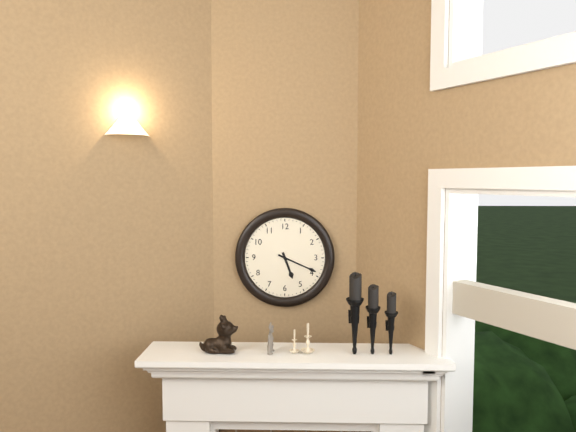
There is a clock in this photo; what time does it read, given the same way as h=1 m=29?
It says h=5 m=19
